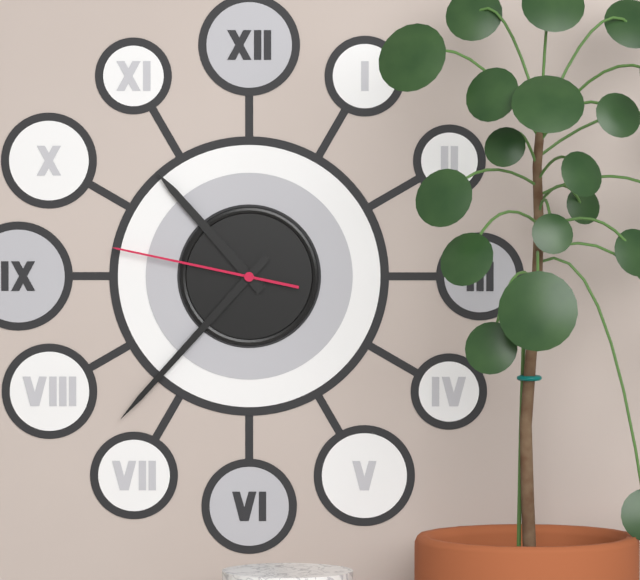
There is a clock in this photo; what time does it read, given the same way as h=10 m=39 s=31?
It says h=10 m=37 s=47
